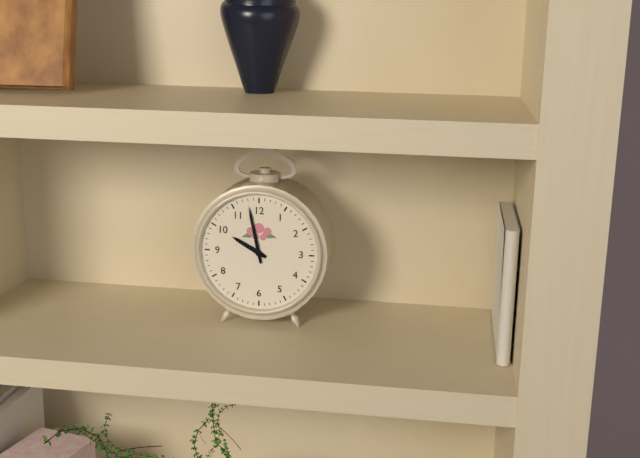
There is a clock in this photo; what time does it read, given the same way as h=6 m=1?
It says h=9 m=58
